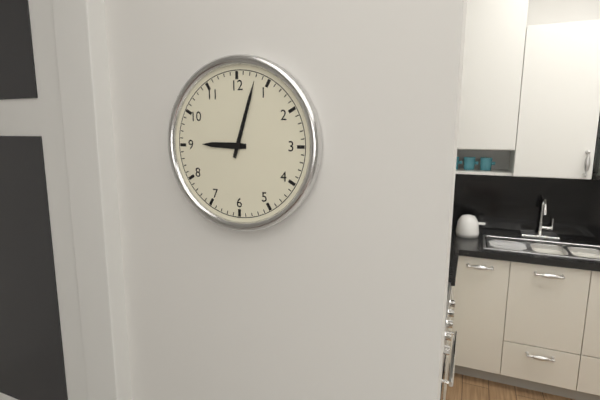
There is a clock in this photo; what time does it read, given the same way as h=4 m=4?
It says h=9 m=3
